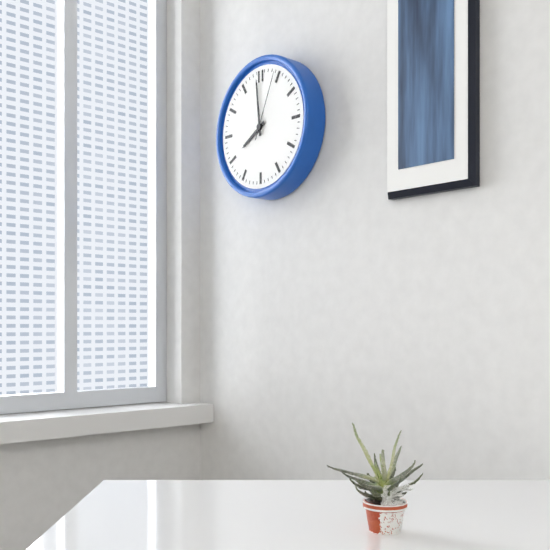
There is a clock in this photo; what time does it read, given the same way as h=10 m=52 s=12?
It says h=7 m=59 s=4
